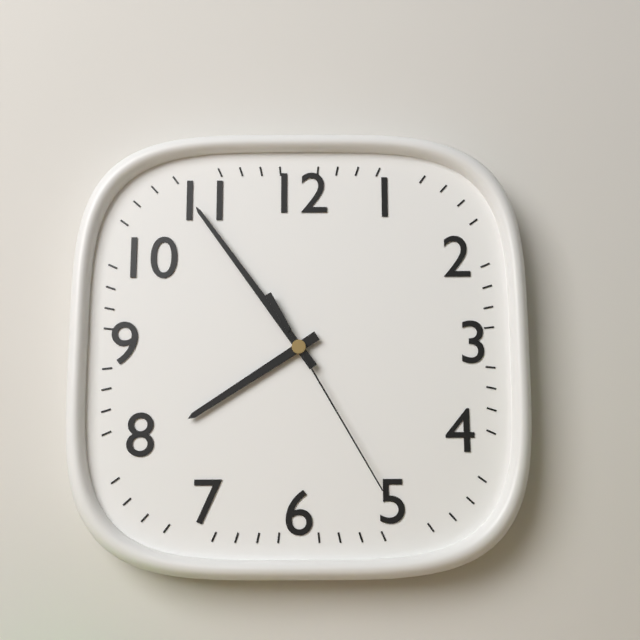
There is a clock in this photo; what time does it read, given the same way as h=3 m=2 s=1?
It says h=7 m=54 s=25
